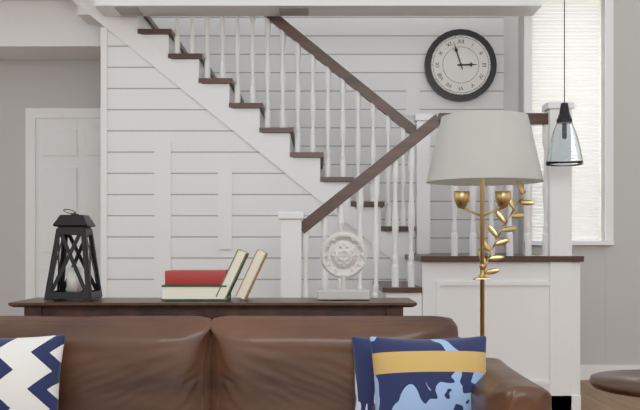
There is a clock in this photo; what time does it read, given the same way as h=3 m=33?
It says h=2 m=57
